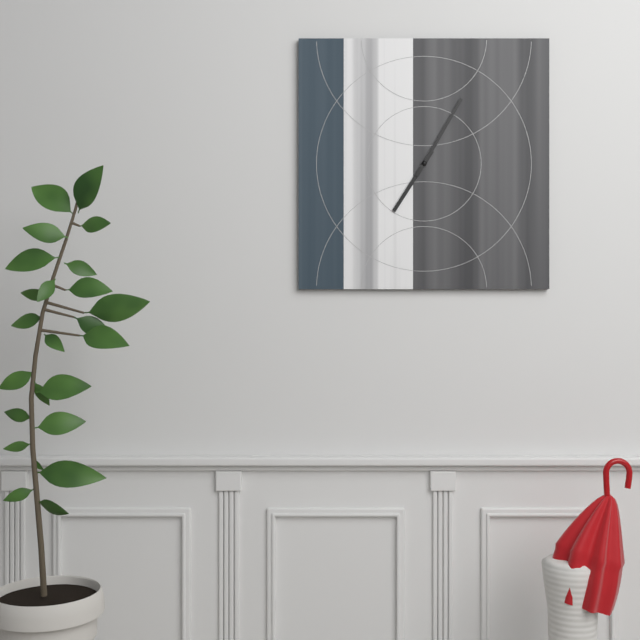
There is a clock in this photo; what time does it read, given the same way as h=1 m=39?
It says h=7 m=5
